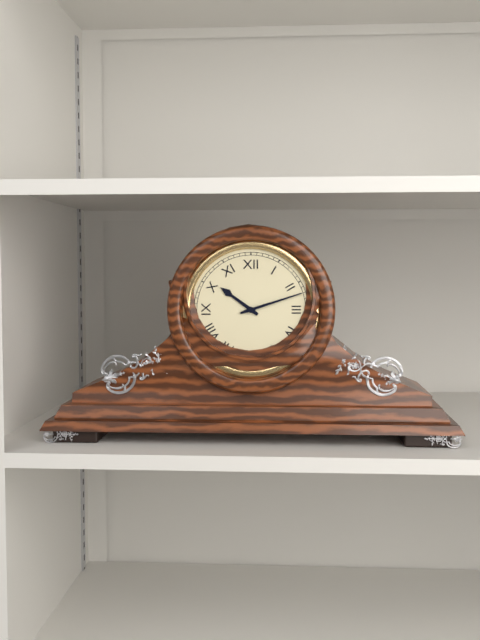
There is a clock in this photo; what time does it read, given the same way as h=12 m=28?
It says h=10 m=12
